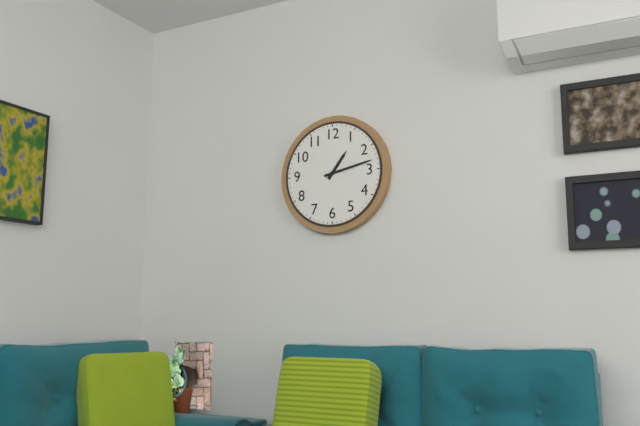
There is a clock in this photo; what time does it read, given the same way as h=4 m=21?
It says h=1 m=13
